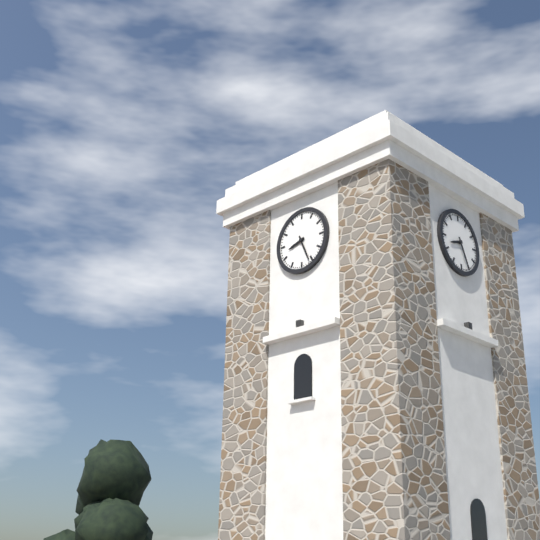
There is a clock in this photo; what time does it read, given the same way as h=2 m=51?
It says h=8 m=26
